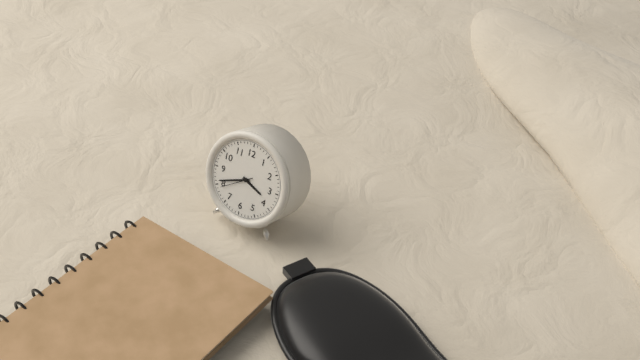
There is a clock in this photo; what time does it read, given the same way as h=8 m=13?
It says h=3 m=41
